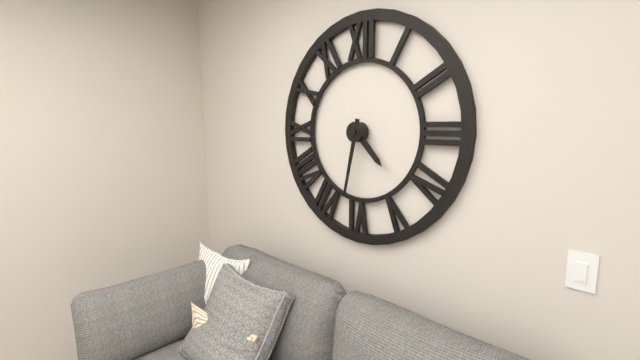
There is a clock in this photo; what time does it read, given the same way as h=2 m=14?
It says h=4 m=32
